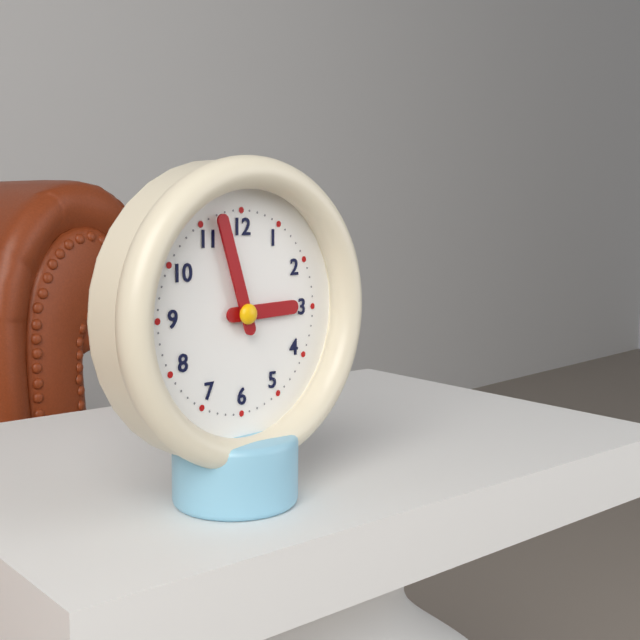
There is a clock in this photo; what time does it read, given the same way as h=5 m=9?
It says h=2 m=57
